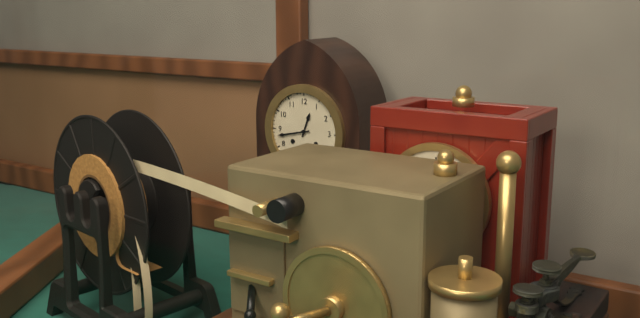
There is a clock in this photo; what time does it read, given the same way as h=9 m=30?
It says h=12 m=43
